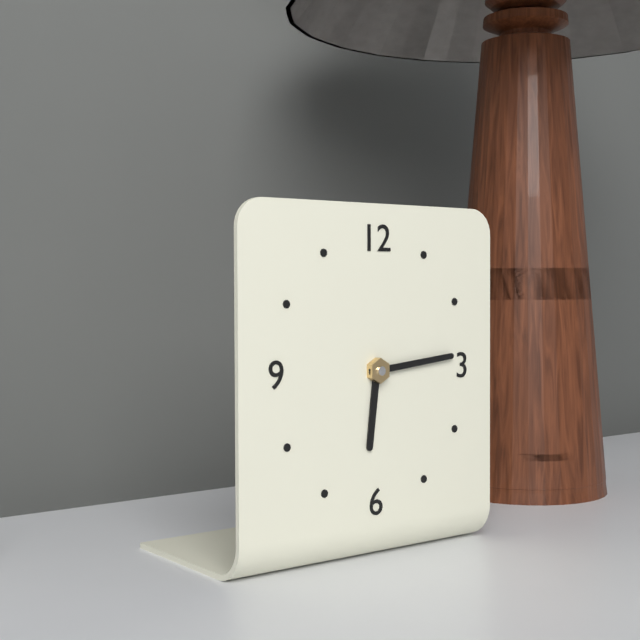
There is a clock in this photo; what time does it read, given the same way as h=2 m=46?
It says h=6 m=14
